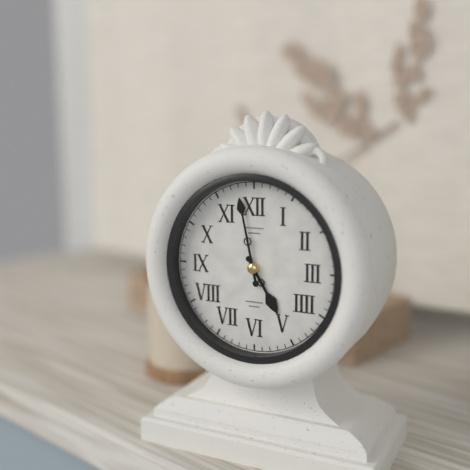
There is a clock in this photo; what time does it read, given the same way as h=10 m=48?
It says h=4 m=58
